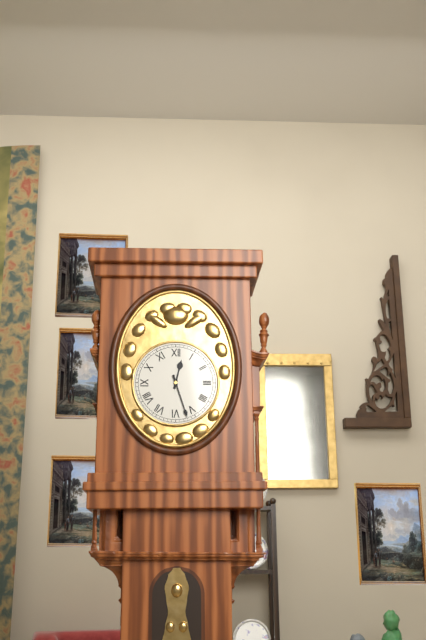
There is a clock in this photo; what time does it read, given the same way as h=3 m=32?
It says h=12 m=27
